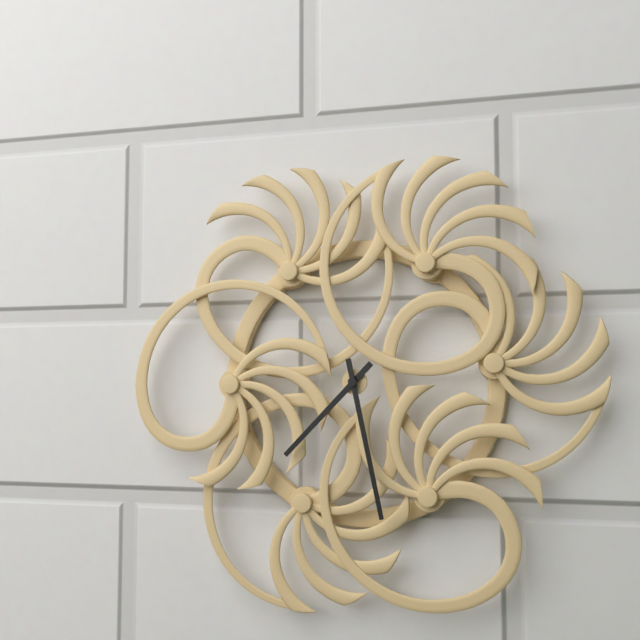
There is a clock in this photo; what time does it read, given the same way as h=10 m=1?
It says h=7 m=28
